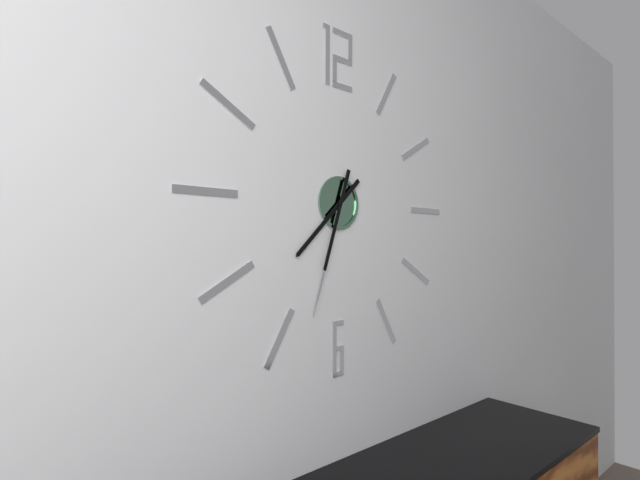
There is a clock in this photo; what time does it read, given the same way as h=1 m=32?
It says h=7 m=33
